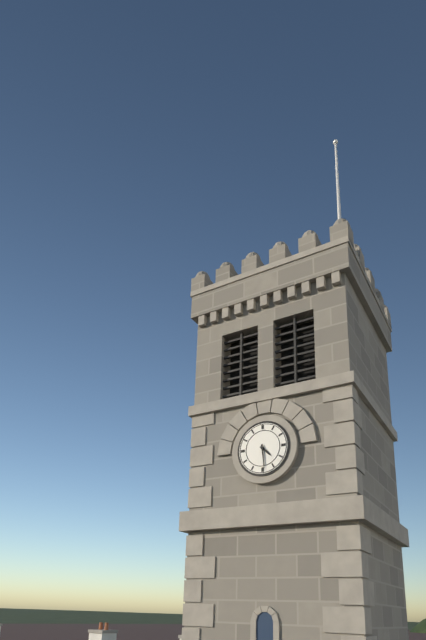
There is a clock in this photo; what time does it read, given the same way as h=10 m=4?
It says h=4 m=29
